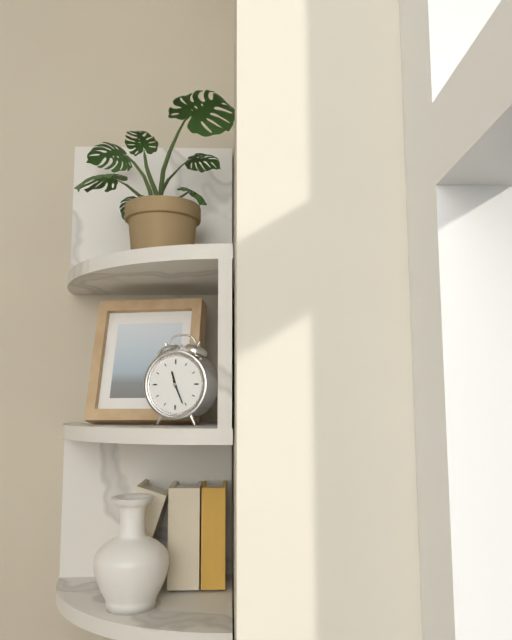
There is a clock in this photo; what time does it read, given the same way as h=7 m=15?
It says h=11 m=26
